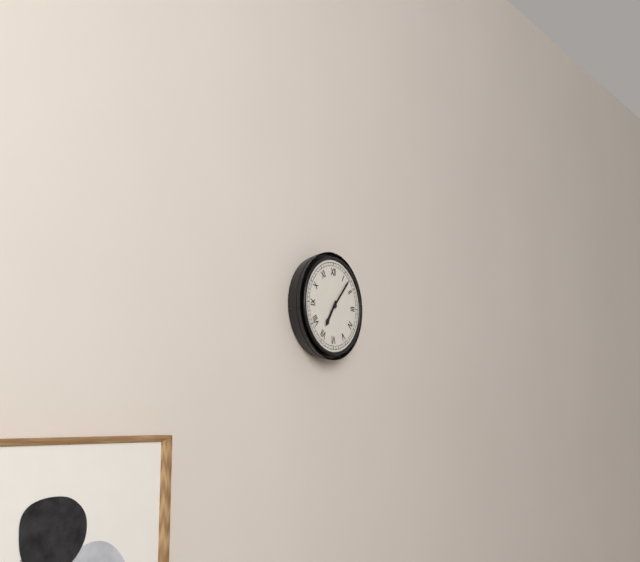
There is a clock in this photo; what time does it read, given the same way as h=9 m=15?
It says h=7 m=7
